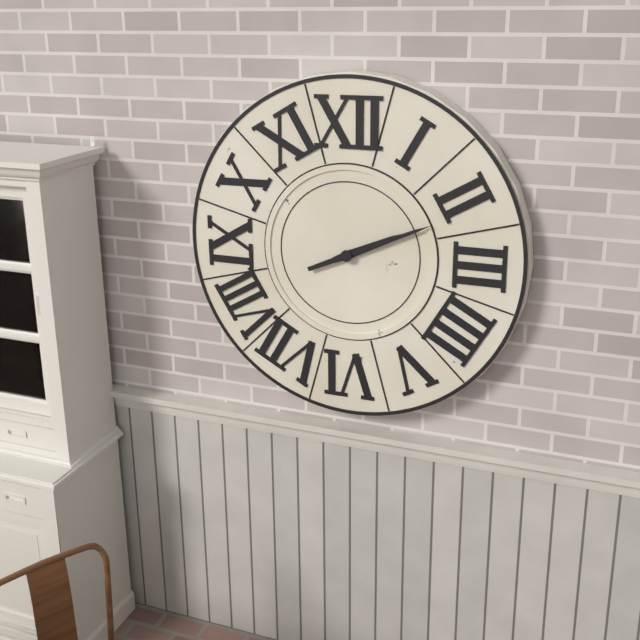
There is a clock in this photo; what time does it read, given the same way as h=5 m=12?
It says h=2 m=11
